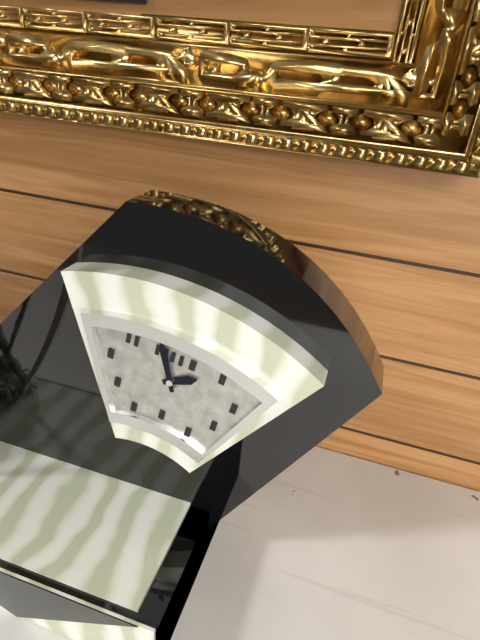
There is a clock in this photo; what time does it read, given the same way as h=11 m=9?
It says h=1 m=56
